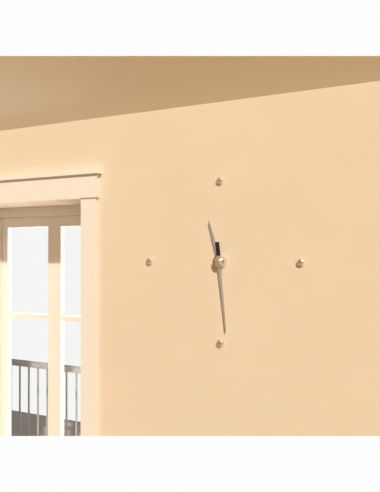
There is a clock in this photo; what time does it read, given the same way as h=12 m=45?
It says h=11 m=29
